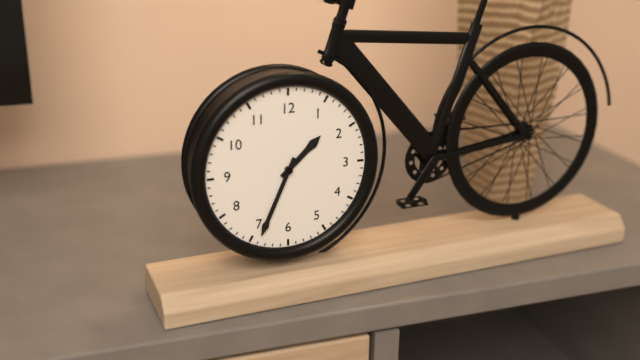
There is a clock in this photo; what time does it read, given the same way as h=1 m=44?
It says h=1 m=34
